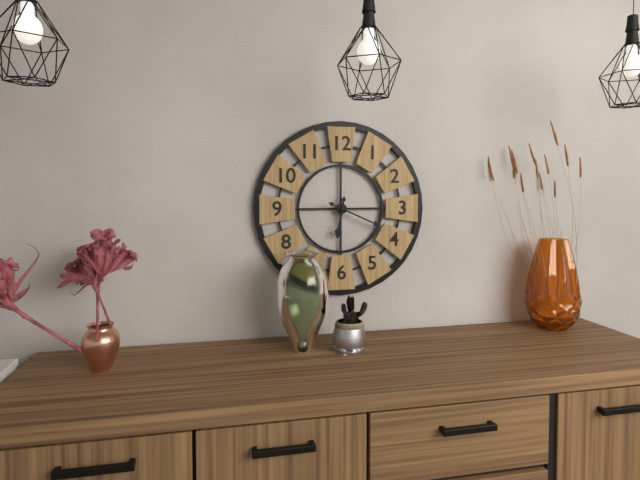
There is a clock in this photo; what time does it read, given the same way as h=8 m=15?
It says h=6 m=19
